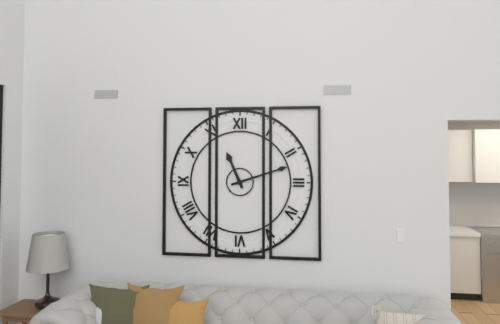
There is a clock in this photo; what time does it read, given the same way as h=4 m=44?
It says h=11 m=12
